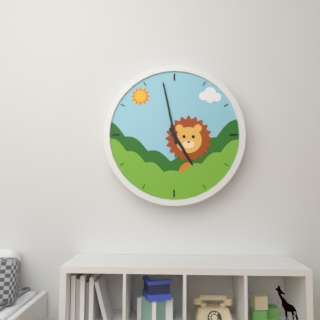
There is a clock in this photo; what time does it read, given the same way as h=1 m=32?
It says h=4 m=58
